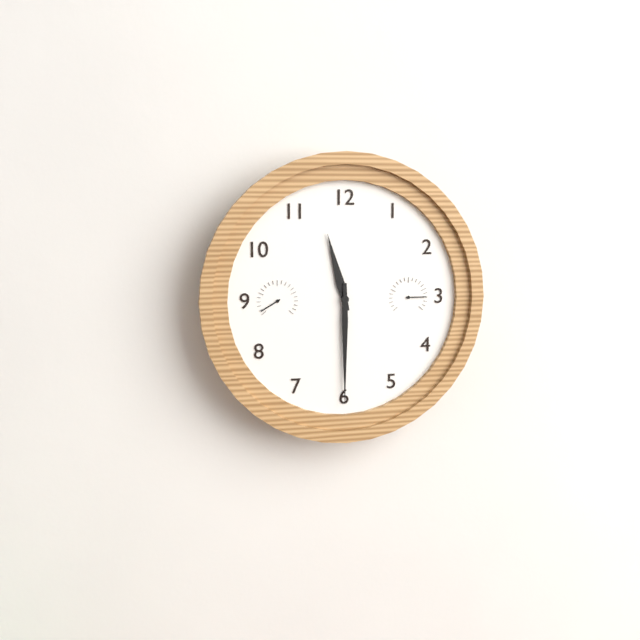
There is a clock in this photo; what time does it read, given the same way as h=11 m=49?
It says h=11 m=30
